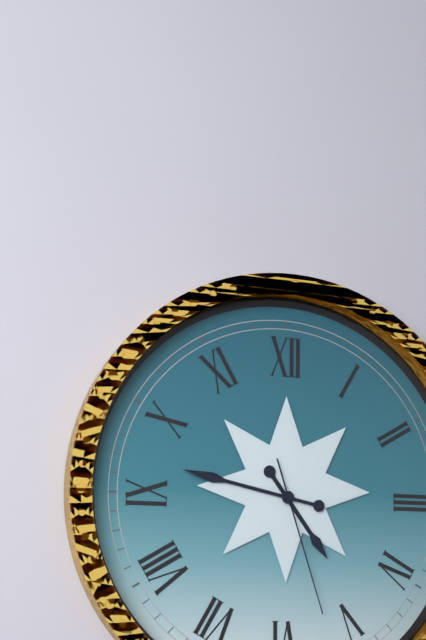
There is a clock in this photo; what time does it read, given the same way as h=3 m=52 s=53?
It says h=4 m=47 s=27
